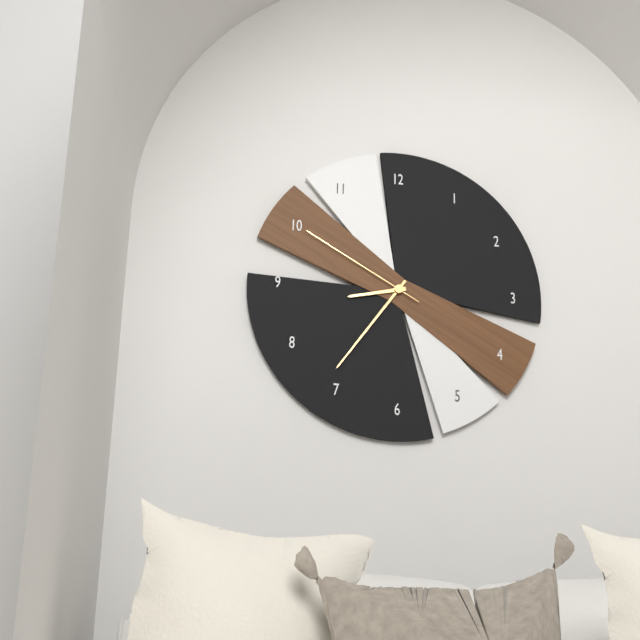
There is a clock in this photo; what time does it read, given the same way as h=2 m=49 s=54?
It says h=8 m=36 s=50
